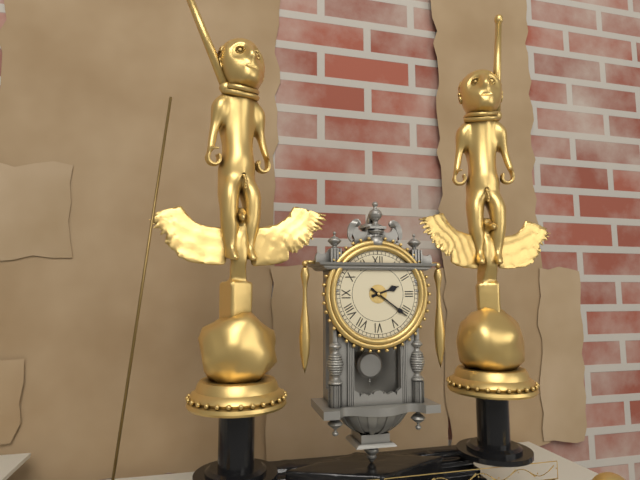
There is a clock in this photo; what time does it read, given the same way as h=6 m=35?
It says h=2 m=21
